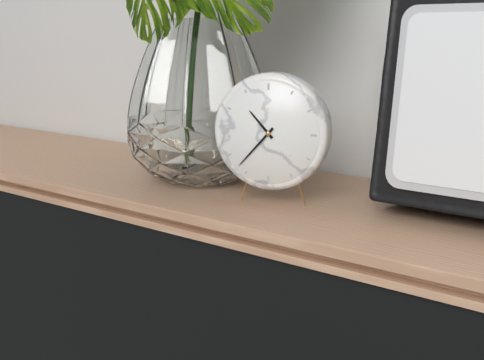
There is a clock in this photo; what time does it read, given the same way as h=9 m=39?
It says h=10 m=37
